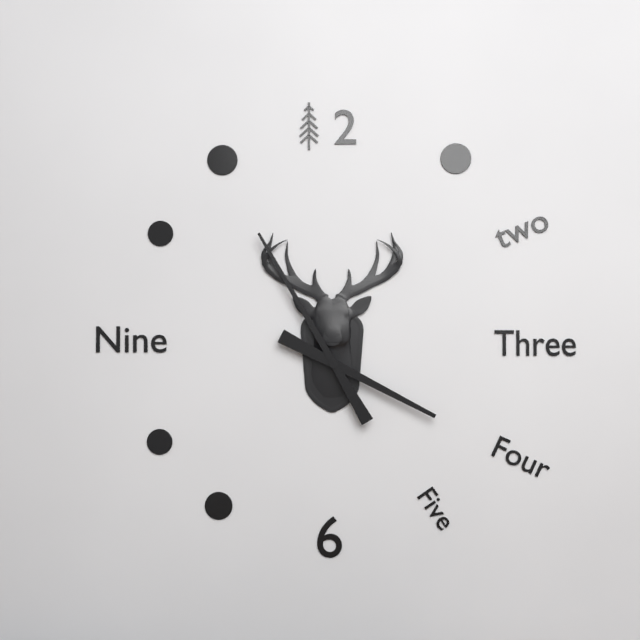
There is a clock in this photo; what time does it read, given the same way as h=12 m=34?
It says h=3 m=55
